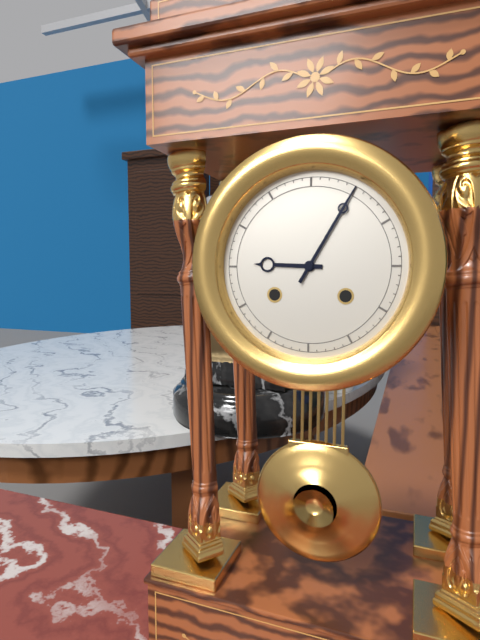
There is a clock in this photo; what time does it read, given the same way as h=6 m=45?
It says h=9 m=5
